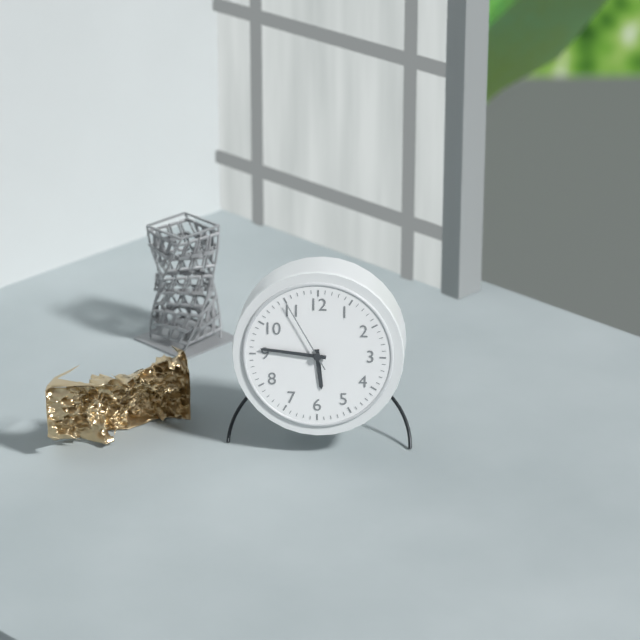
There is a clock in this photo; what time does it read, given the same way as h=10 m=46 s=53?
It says h=5 m=46 s=55
